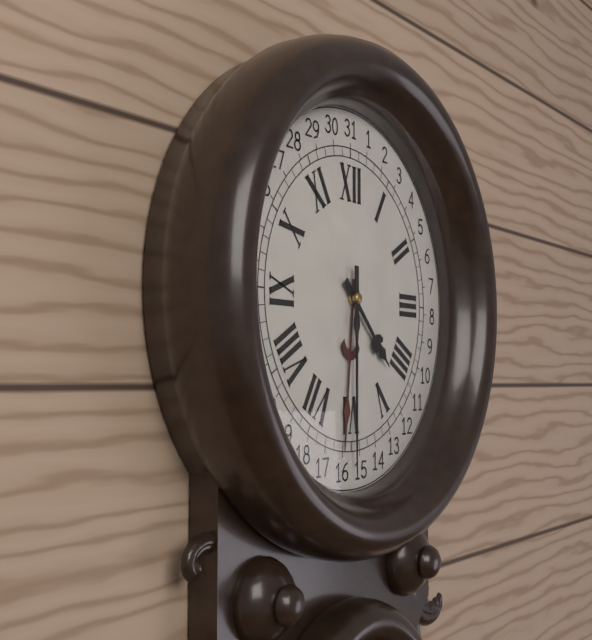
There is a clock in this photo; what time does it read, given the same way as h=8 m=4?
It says h=4 m=30
